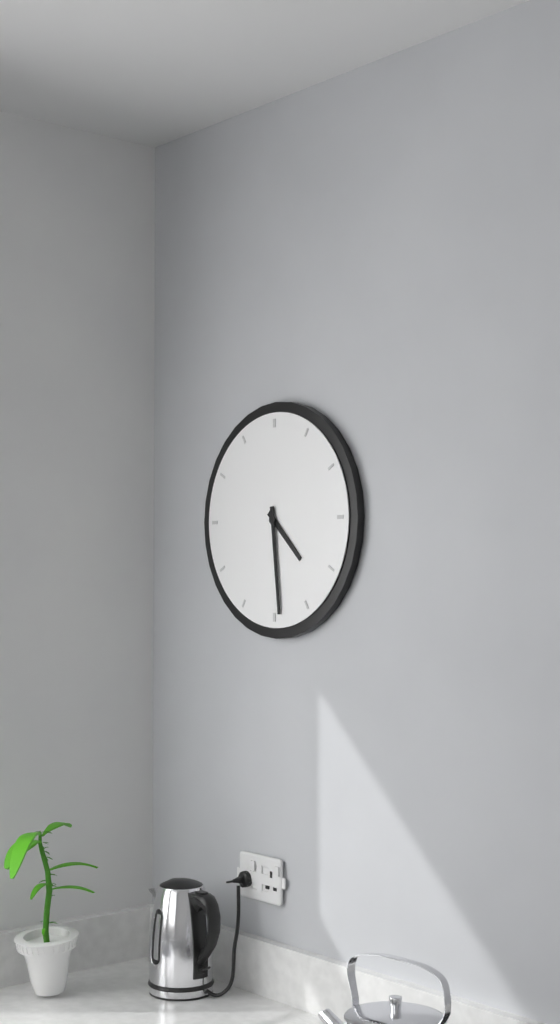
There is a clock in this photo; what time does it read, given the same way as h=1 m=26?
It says h=4 m=29
